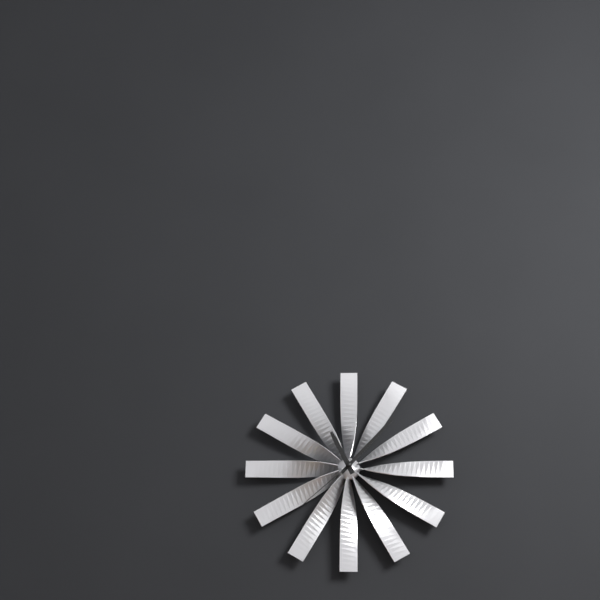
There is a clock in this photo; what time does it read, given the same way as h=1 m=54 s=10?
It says h=11 m=7 s=38
